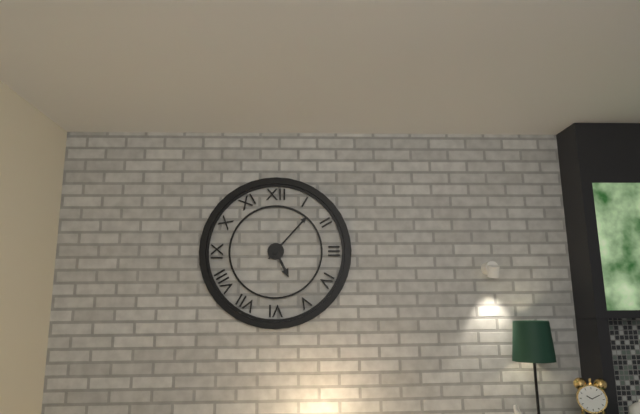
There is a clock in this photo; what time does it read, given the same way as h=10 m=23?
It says h=5 m=7
